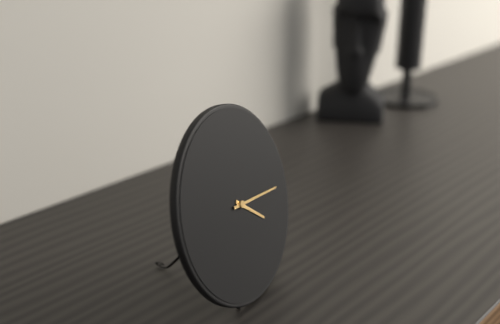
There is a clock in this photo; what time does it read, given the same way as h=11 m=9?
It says h=4 m=16
